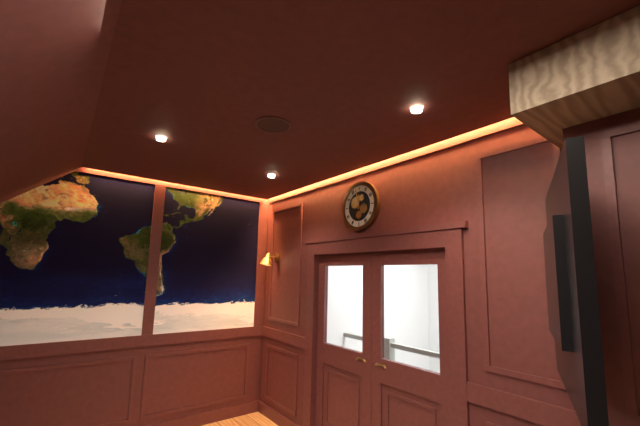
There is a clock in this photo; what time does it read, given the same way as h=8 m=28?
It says h=11 m=58
